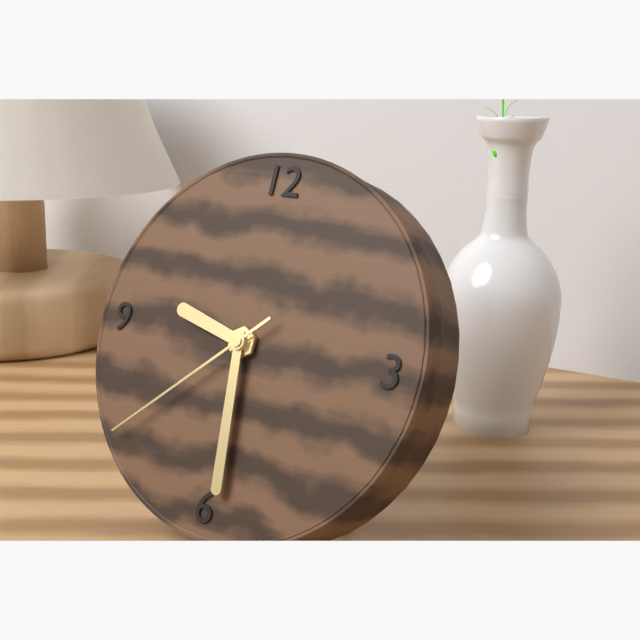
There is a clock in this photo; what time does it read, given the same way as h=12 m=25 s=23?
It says h=9 m=29 s=38
